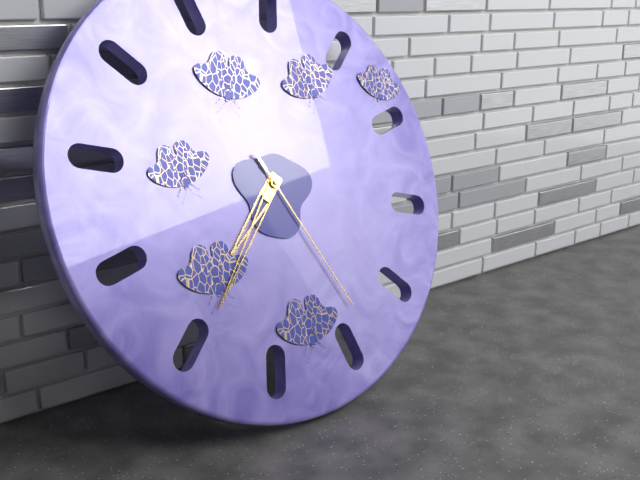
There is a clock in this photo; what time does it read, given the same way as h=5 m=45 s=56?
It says h=7 m=37 s=26
